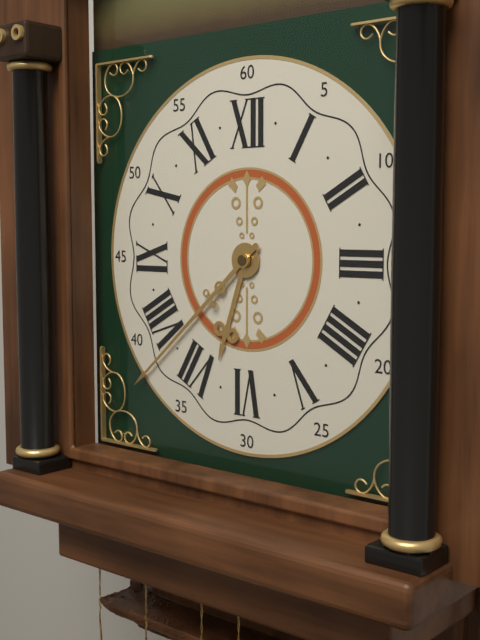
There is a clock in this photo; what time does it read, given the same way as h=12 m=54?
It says h=6 m=38
